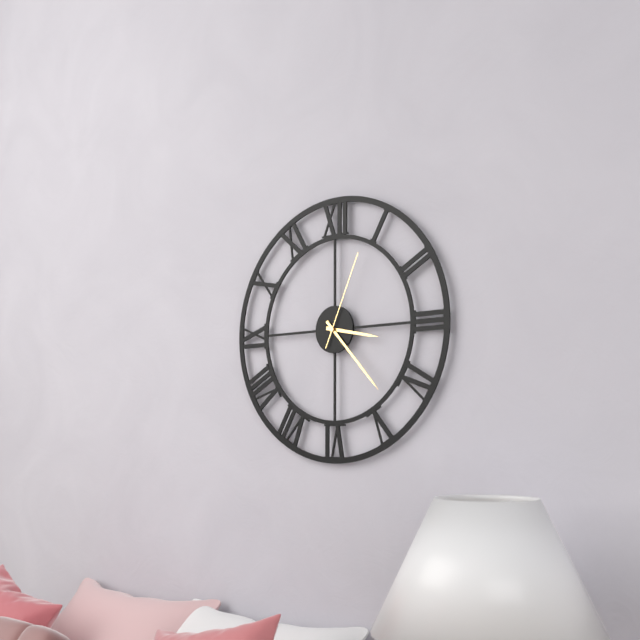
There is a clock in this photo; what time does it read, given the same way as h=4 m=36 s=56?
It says h=3 m=23 s=4
